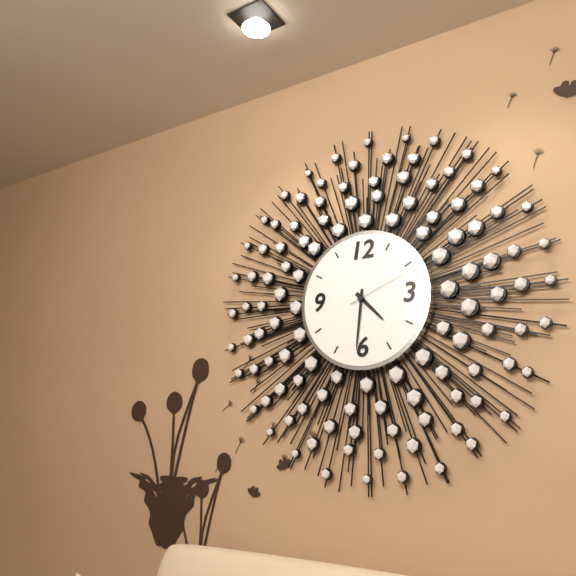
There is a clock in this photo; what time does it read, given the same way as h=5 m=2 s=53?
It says h=4 m=31 s=11
